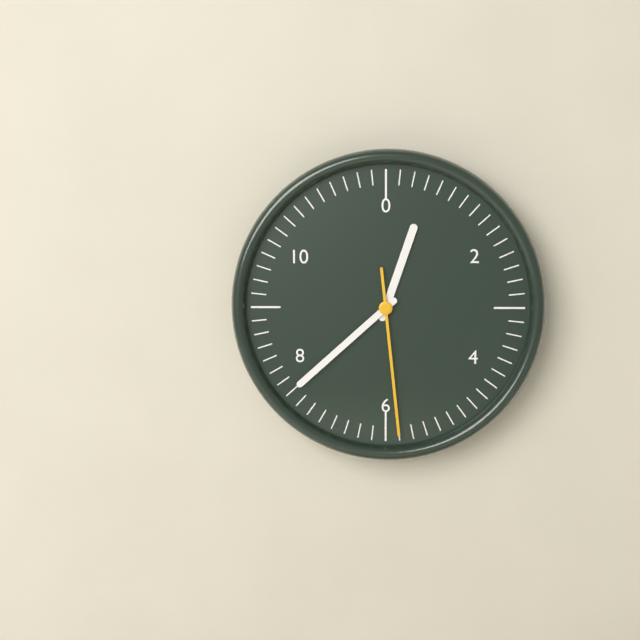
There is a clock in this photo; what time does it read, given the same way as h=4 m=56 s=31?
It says h=12 m=38 s=29
